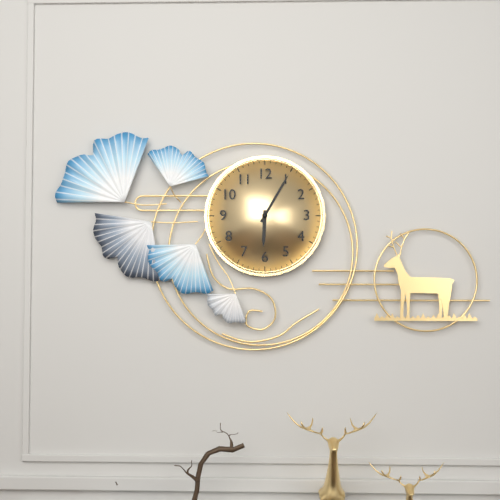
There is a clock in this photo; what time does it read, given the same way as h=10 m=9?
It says h=6 m=5
